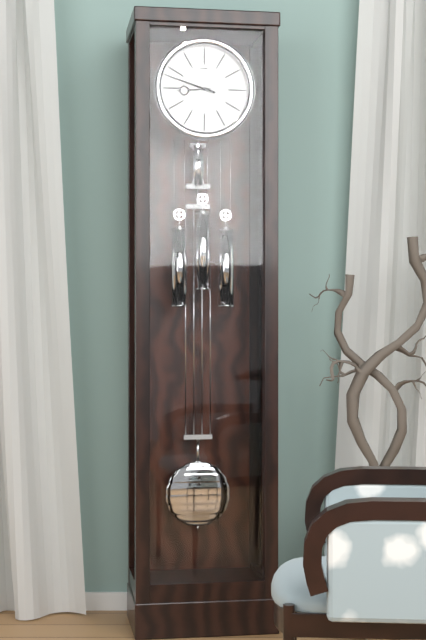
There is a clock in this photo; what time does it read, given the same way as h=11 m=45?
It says h=8 m=48
